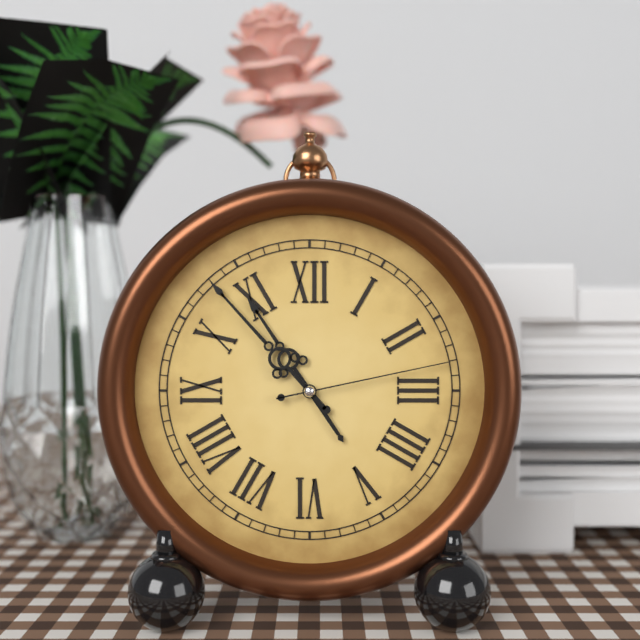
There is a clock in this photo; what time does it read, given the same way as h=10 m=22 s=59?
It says h=10 m=53 s=13
